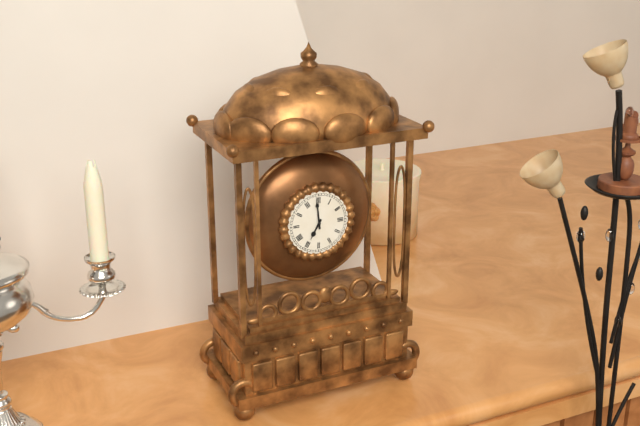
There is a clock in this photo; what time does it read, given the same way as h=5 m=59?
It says h=6 m=59
